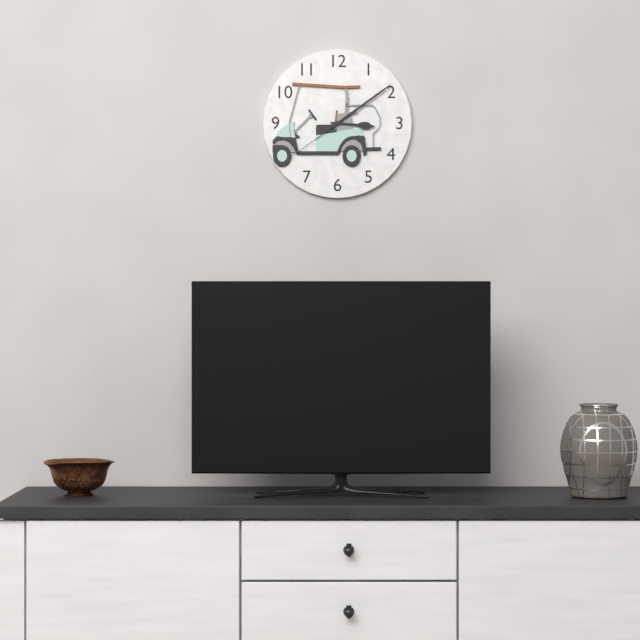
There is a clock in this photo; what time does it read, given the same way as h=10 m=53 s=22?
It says h=3 m=9 s=39
